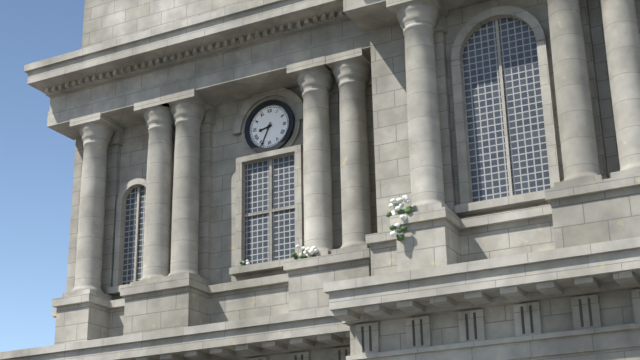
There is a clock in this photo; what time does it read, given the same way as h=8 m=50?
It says h=8 m=34
